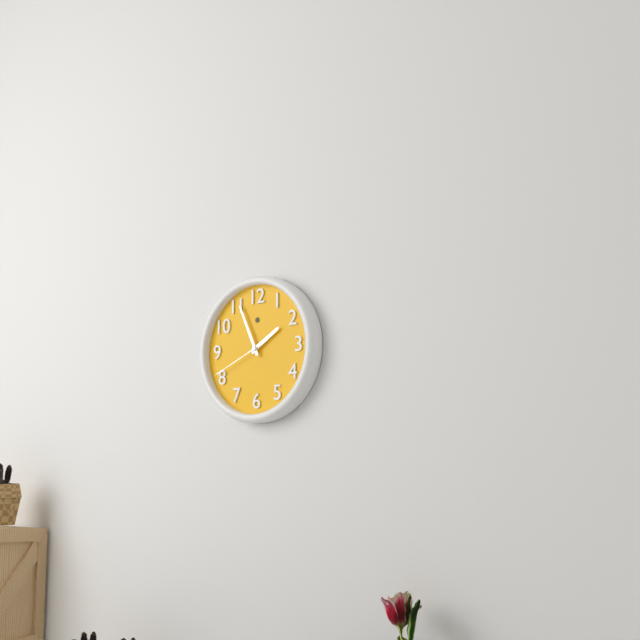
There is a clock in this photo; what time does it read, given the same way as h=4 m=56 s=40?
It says h=1 m=56 s=41
